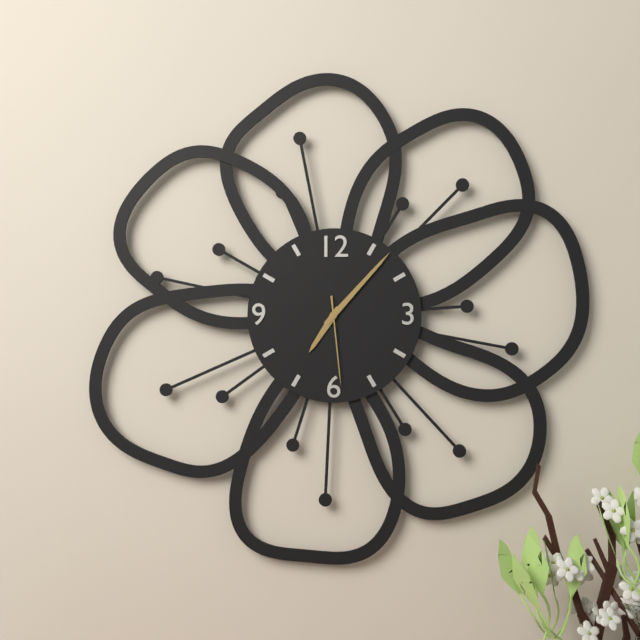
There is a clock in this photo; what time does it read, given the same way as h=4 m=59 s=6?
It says h=7 m=7 s=29
